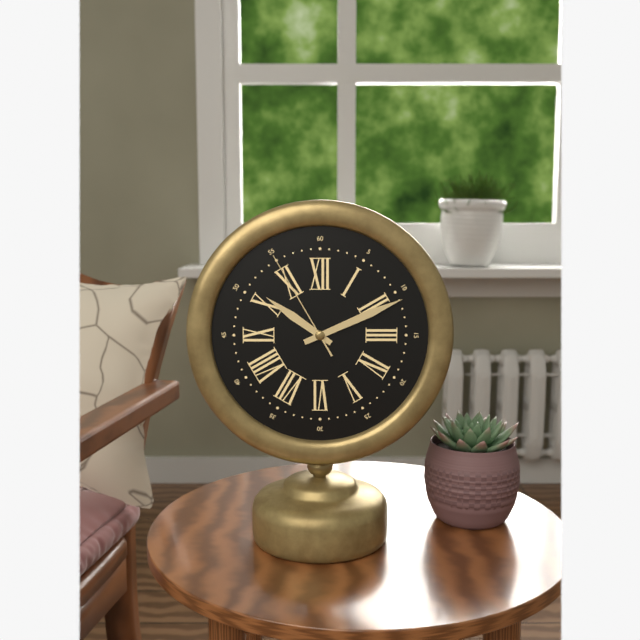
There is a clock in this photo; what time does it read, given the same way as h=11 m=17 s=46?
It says h=10 m=11 s=55
